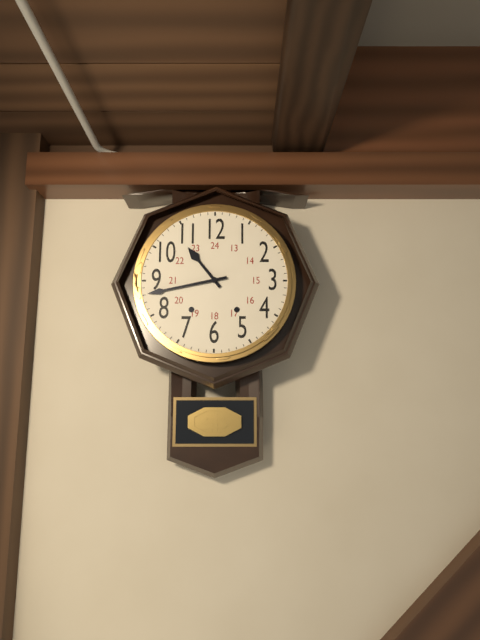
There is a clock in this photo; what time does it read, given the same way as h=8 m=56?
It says h=10 m=43
